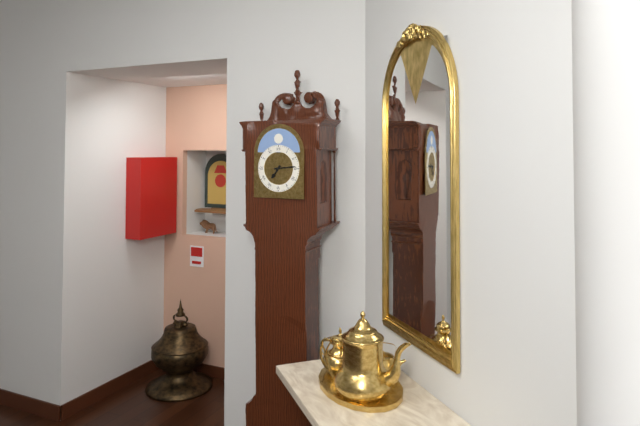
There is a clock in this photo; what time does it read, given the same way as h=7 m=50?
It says h=7 m=14
